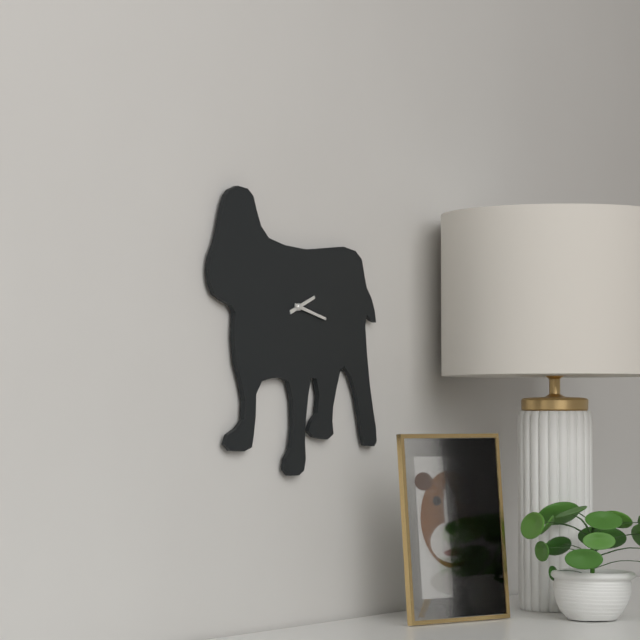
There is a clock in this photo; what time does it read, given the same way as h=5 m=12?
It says h=2 m=17
